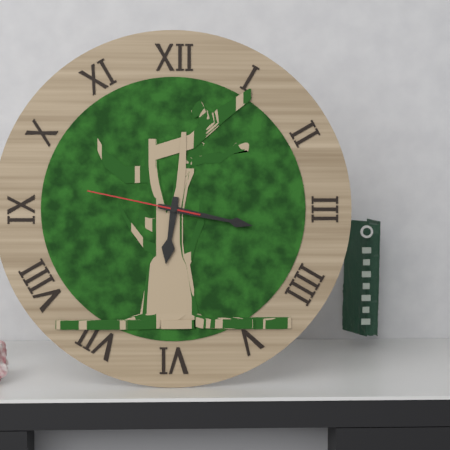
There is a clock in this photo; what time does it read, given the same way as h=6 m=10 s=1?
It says h=6 m=17 s=47
